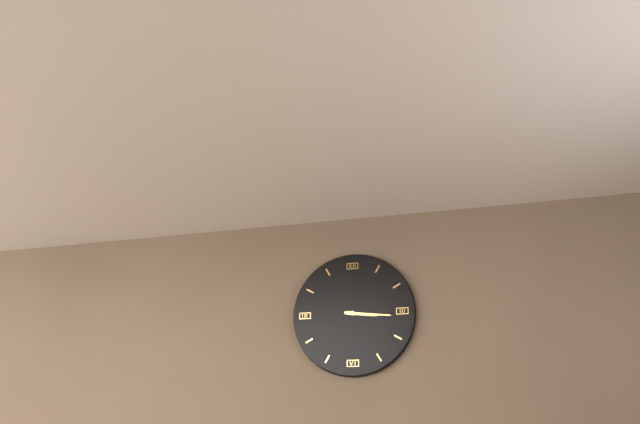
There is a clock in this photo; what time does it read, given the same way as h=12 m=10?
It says h=3 m=16
